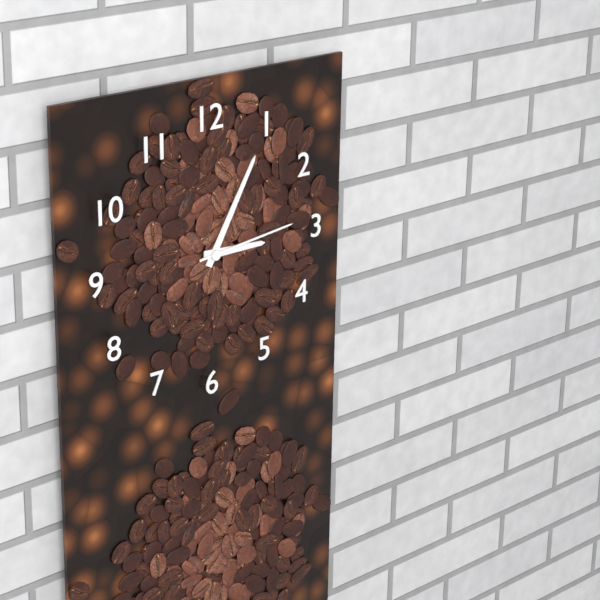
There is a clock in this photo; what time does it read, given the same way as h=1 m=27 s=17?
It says h=3 m=5 s=14
